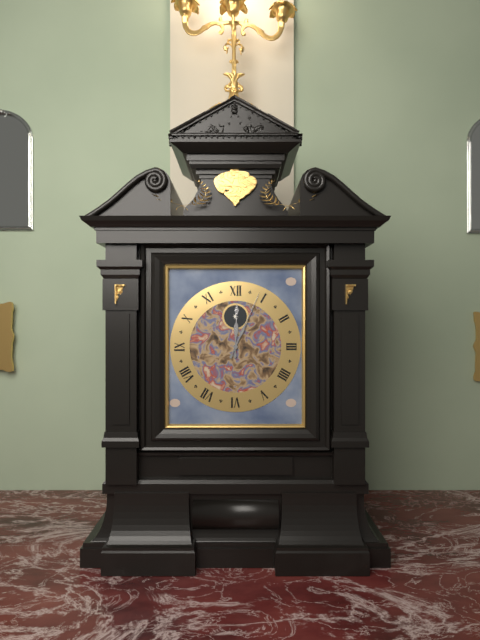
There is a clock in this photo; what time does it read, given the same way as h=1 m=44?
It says h=12 m=4
